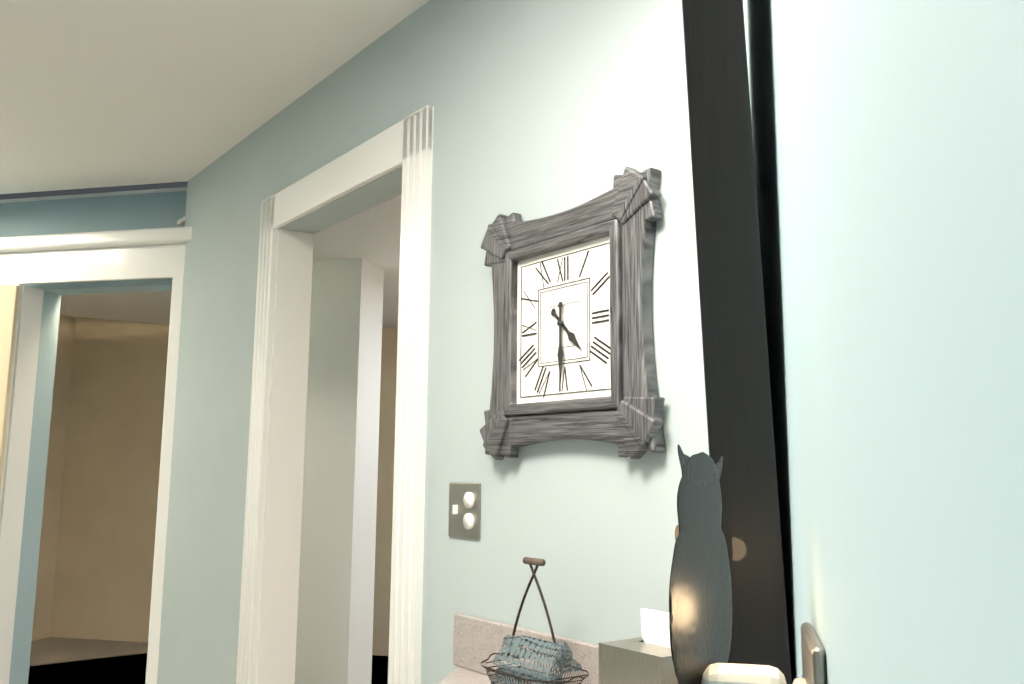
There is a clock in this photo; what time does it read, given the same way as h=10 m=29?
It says h=4 m=30
